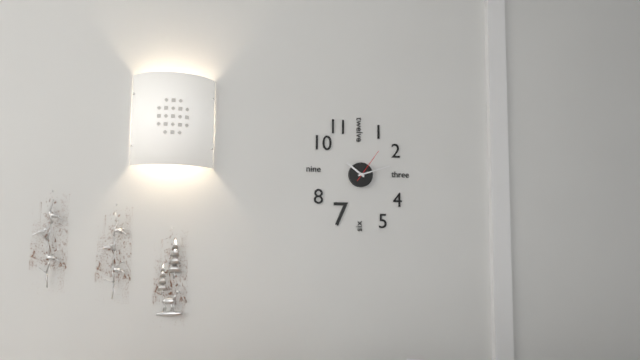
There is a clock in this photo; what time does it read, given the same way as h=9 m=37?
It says h=10 m=12
